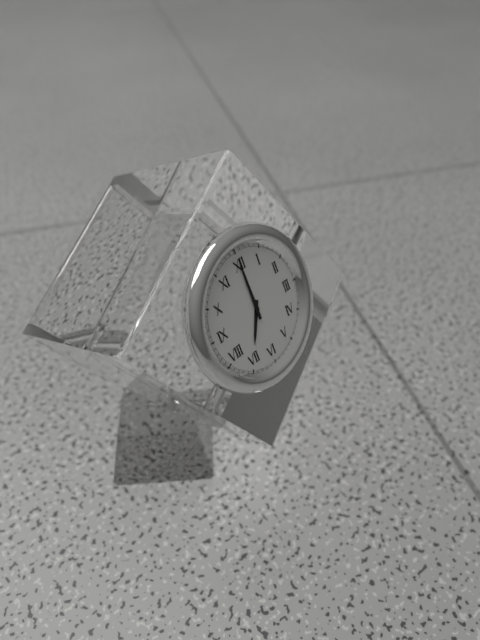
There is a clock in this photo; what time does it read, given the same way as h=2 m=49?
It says h=7 m=0
